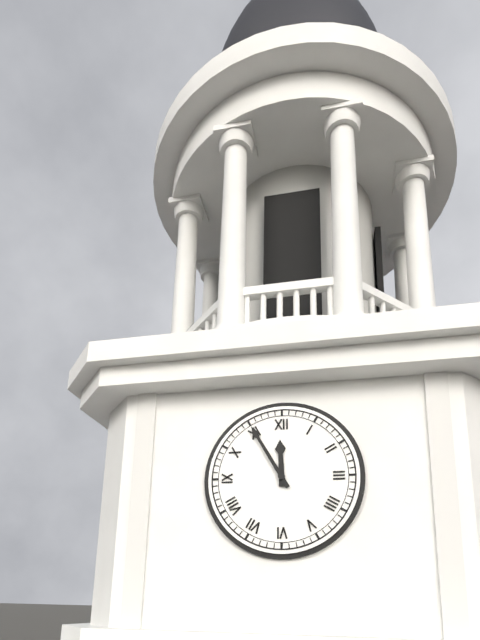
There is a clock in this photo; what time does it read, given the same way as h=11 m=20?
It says h=11 m=55
